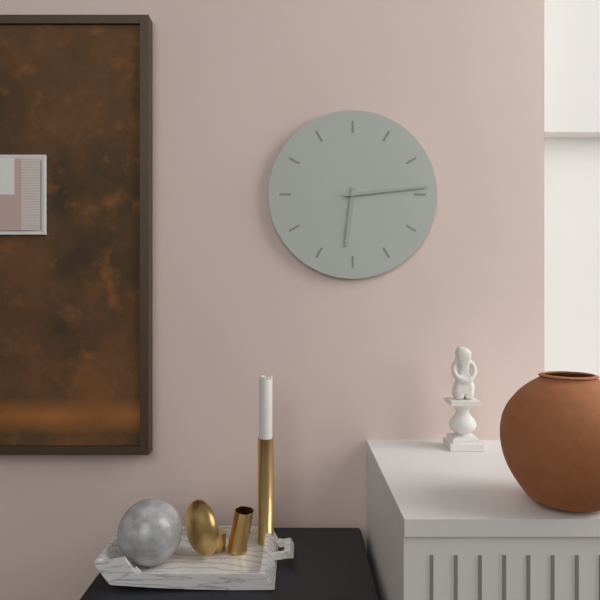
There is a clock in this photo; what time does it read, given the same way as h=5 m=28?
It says h=6 m=14
